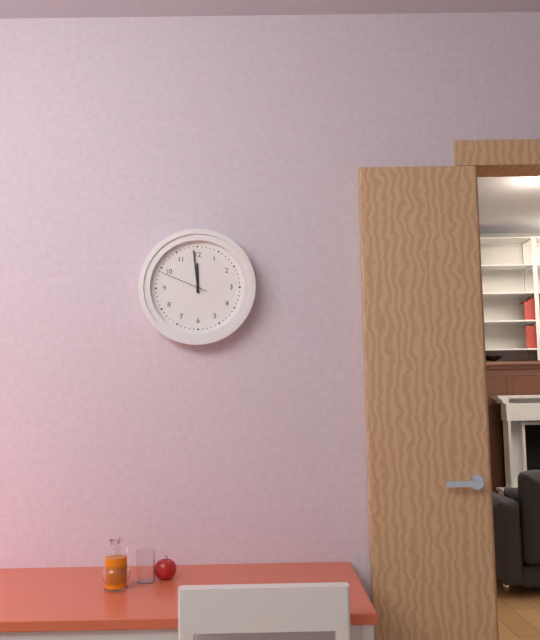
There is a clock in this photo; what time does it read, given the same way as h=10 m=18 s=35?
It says h=11 m=59 s=49
